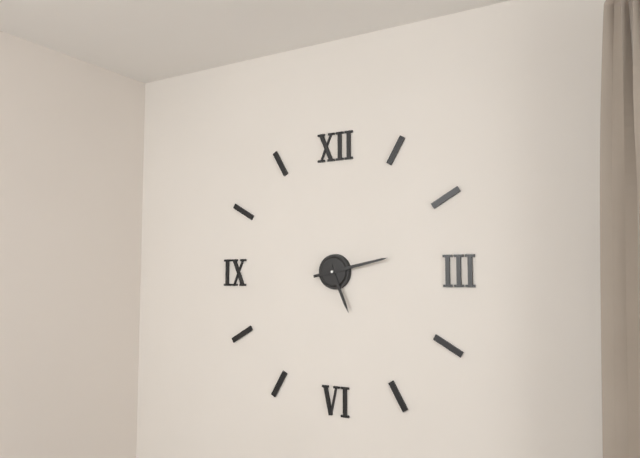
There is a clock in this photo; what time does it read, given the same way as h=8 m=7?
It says h=5 m=13
